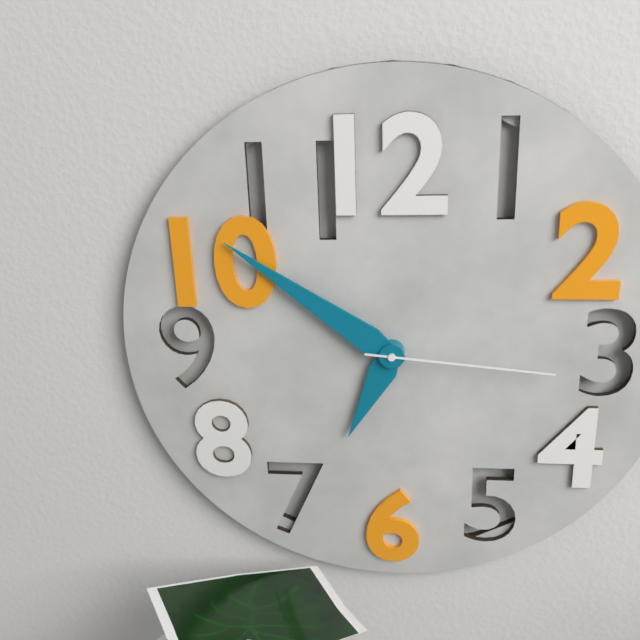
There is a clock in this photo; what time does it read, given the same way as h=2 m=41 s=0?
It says h=6 m=51 s=16
